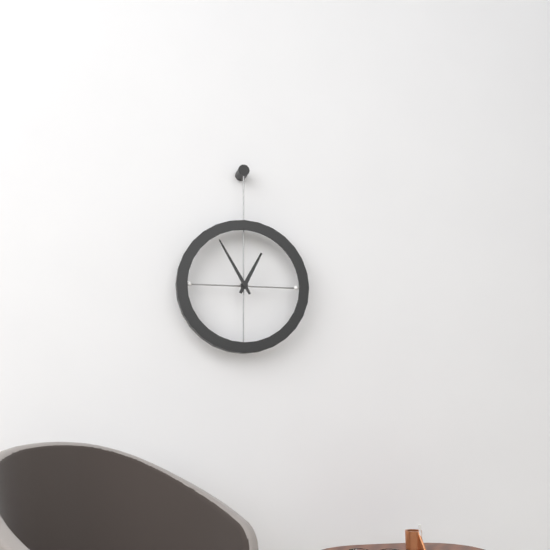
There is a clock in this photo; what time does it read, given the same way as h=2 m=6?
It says h=12 m=55
